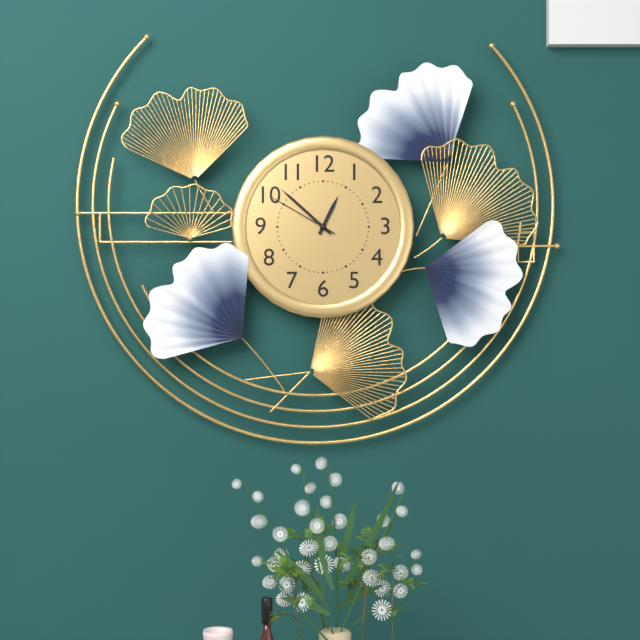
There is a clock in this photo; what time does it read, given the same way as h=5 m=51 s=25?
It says h=12 m=52 s=50
